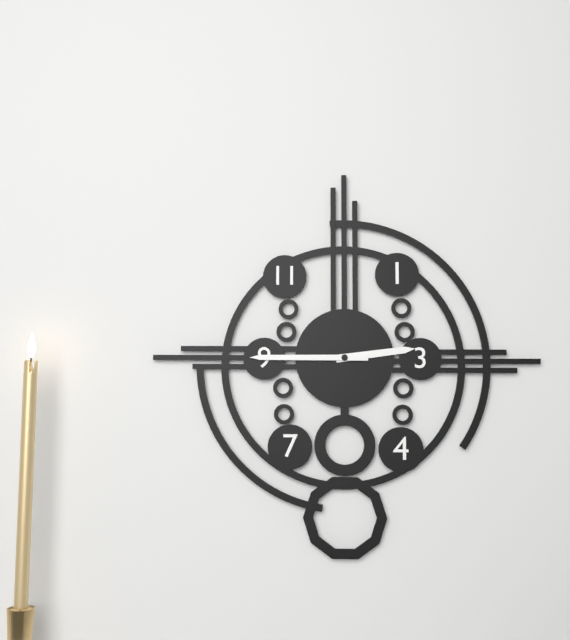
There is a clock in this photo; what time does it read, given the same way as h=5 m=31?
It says h=2 m=45
